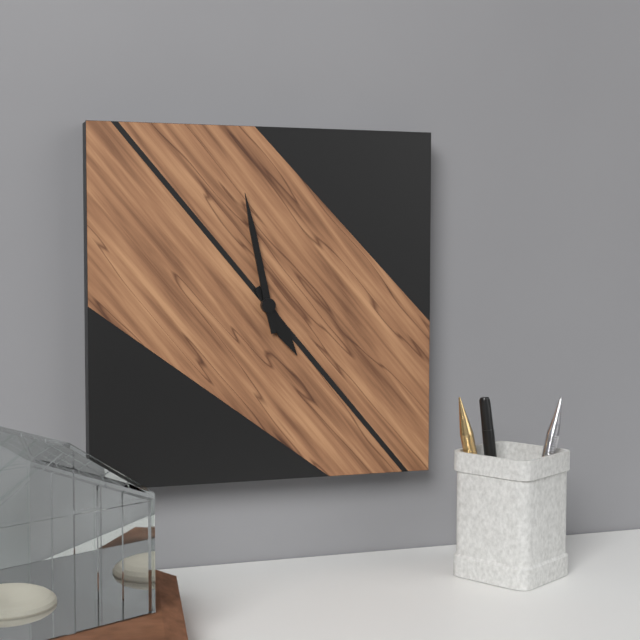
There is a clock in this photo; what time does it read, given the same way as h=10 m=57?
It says h=4 m=58
